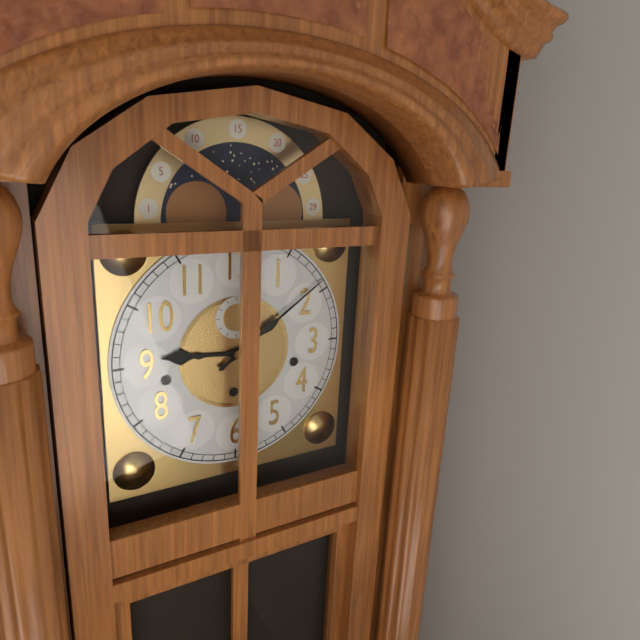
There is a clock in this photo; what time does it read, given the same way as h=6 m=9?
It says h=9 m=9
